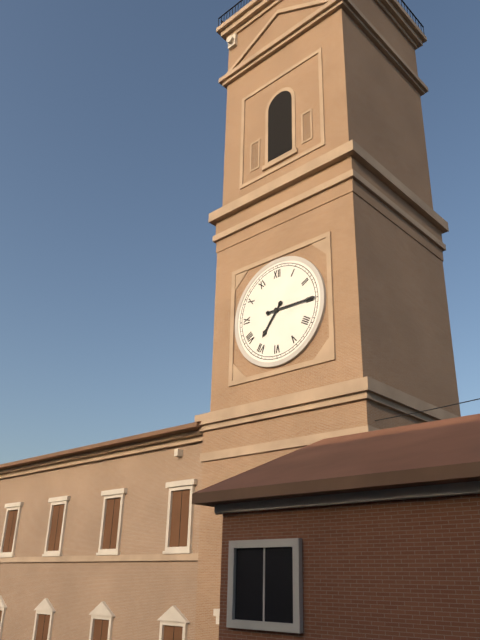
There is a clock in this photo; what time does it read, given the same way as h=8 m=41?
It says h=7 m=15
